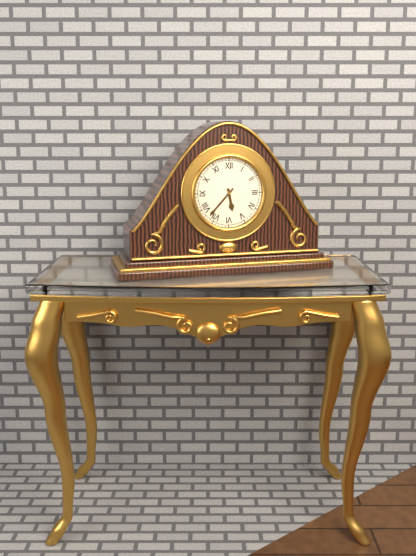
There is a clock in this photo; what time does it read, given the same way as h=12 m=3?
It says h=5 m=37
